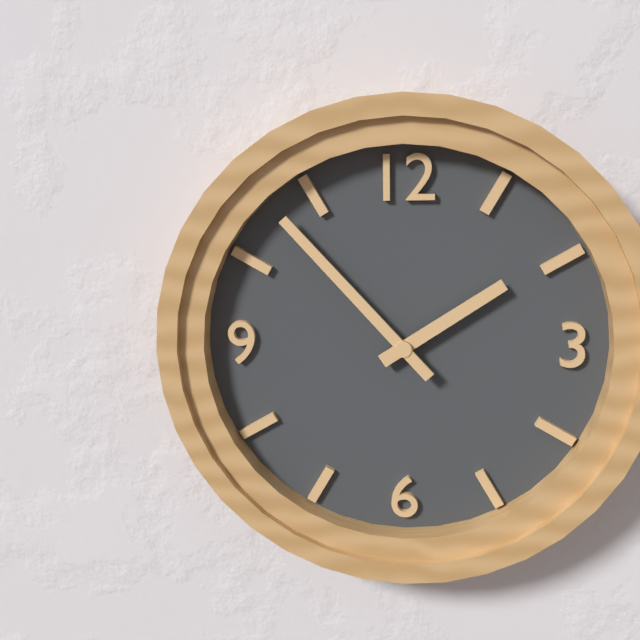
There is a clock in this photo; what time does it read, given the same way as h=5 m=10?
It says h=1 m=53
